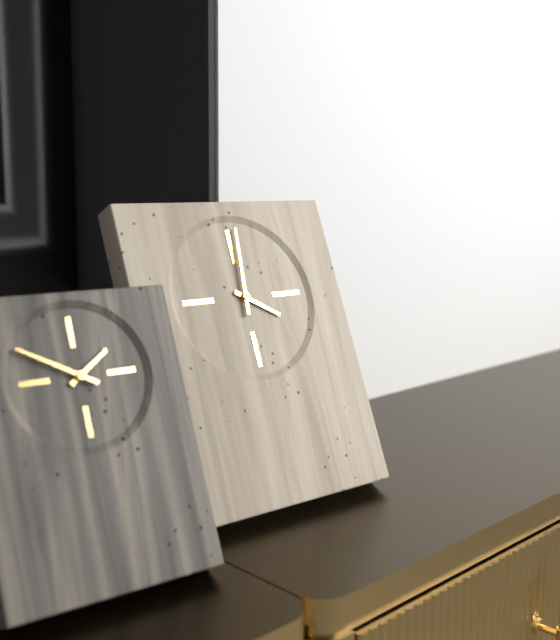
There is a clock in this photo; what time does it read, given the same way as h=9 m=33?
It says h=4 m=1
